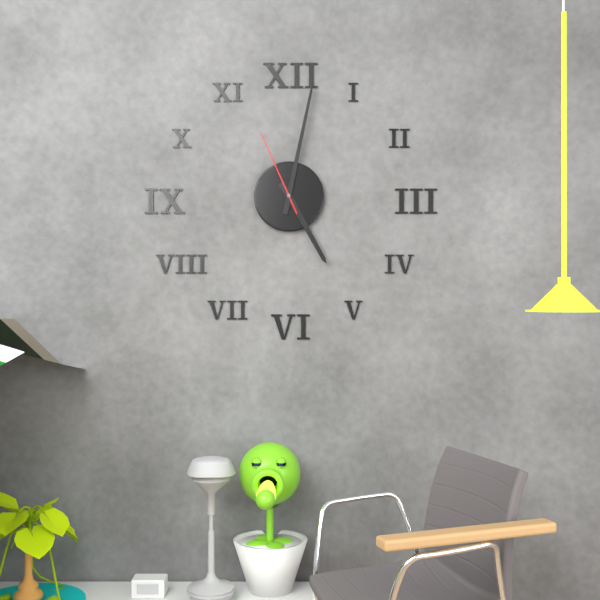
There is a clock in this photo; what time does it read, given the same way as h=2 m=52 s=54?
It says h=5 m=2 s=56
